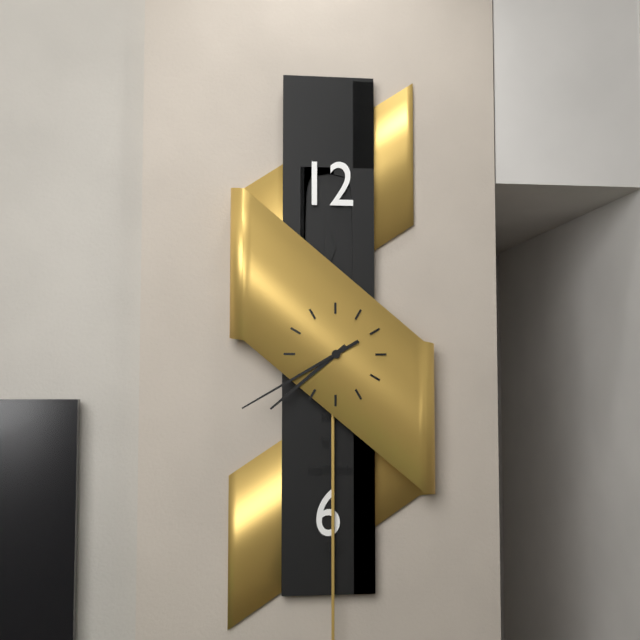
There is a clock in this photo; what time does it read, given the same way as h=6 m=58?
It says h=7 m=40
